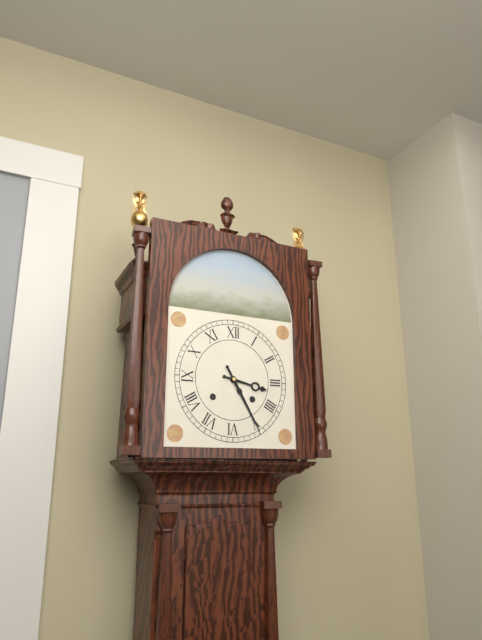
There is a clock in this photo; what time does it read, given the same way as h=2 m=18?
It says h=3 m=25
